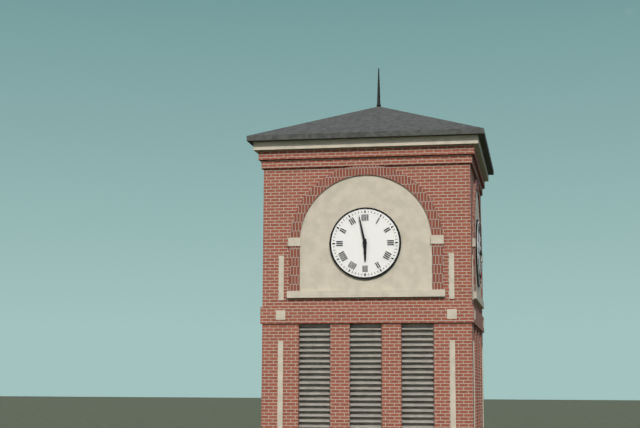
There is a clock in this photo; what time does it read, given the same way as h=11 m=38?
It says h=5 m=58
